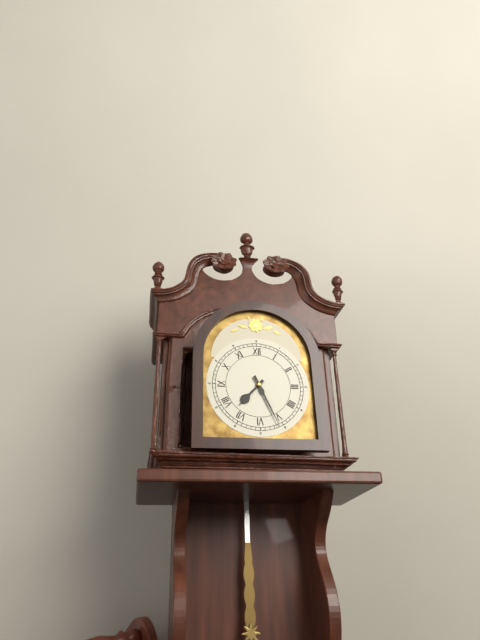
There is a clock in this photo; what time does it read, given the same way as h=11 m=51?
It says h=7 m=26
